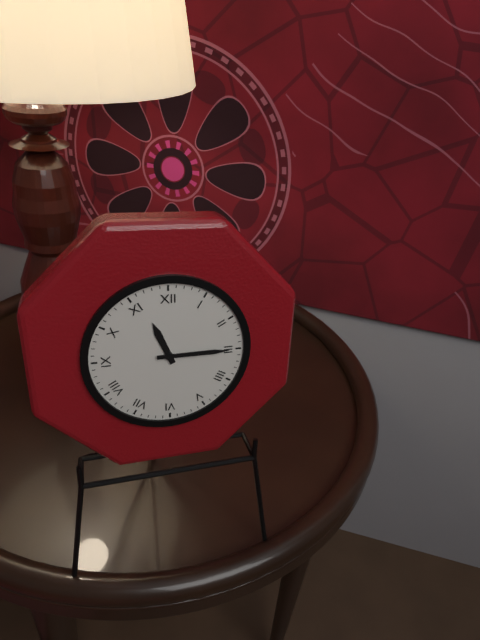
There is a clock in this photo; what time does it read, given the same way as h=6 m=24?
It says h=11 m=15
